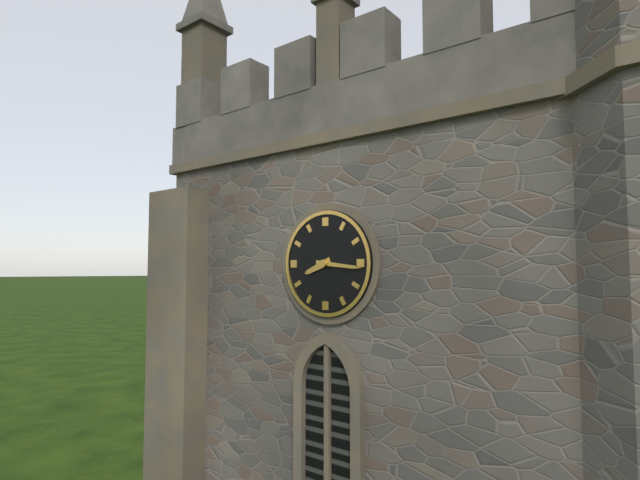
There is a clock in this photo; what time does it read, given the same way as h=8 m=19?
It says h=8 m=16
